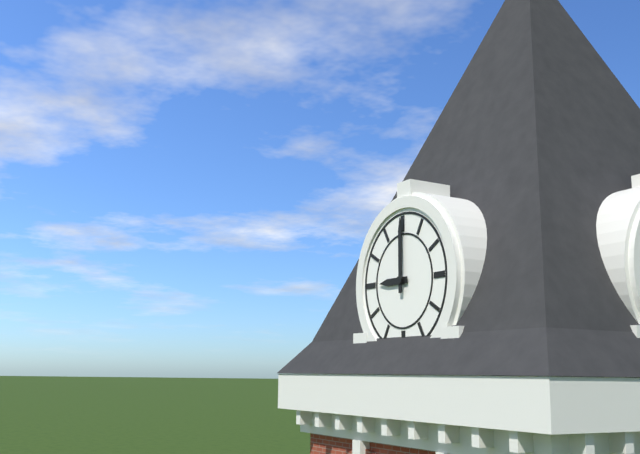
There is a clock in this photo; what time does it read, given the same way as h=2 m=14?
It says h=9 m=0
